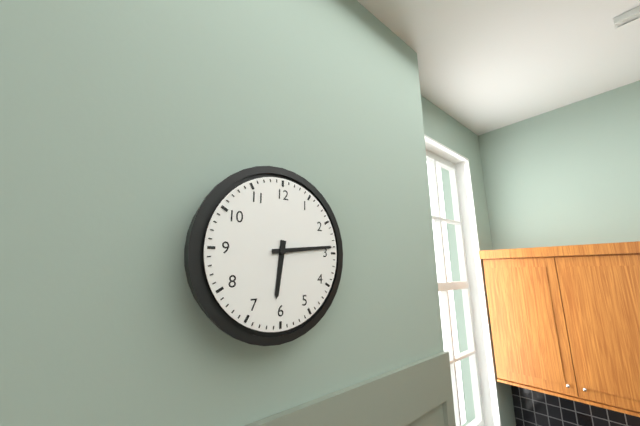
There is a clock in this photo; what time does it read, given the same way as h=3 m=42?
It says h=6 m=14
